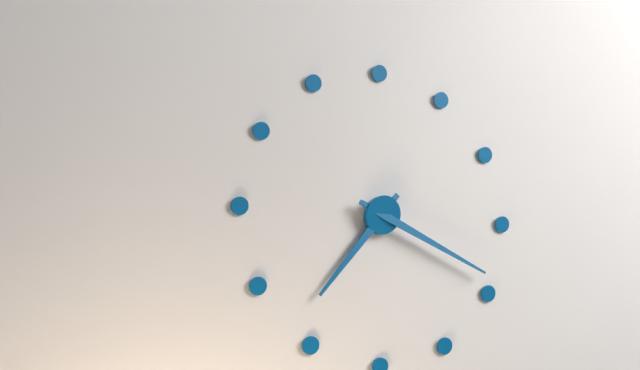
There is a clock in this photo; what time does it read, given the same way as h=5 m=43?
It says h=7 m=19
